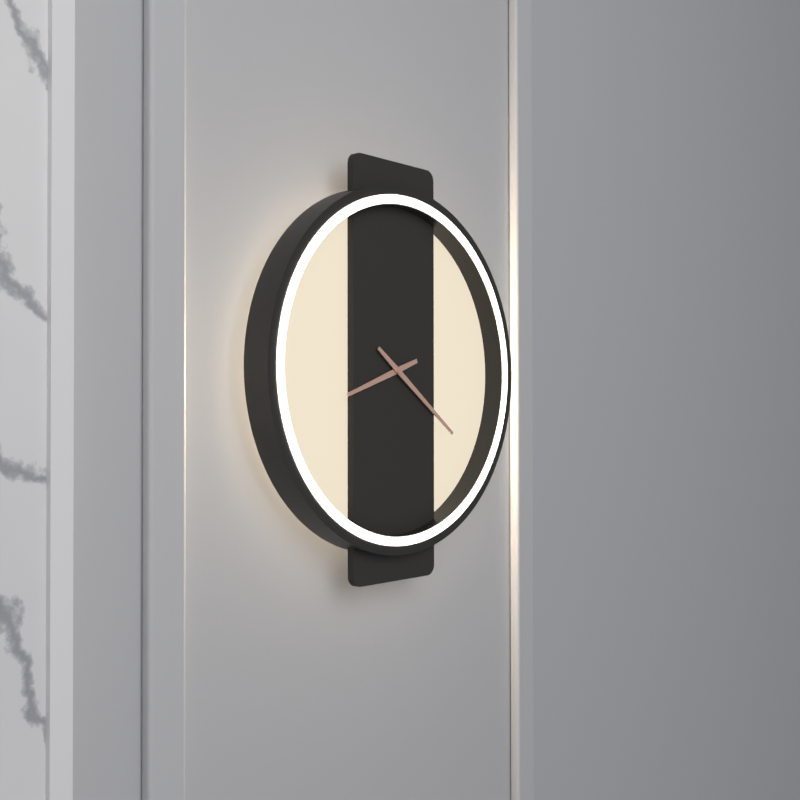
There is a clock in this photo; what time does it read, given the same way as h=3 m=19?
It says h=8 m=21
